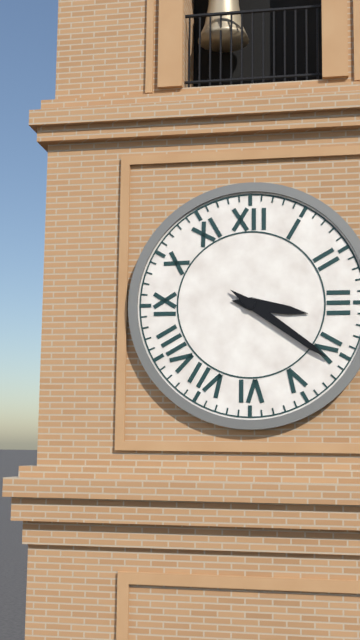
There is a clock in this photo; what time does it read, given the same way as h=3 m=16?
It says h=3 m=21
